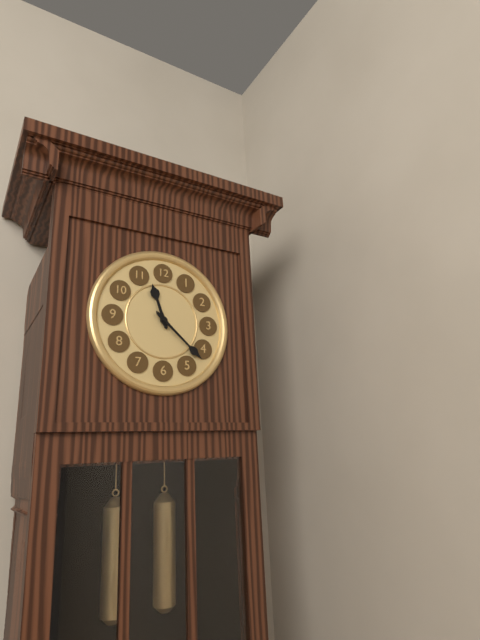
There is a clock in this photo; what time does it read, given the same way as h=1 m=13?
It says h=11 m=22
